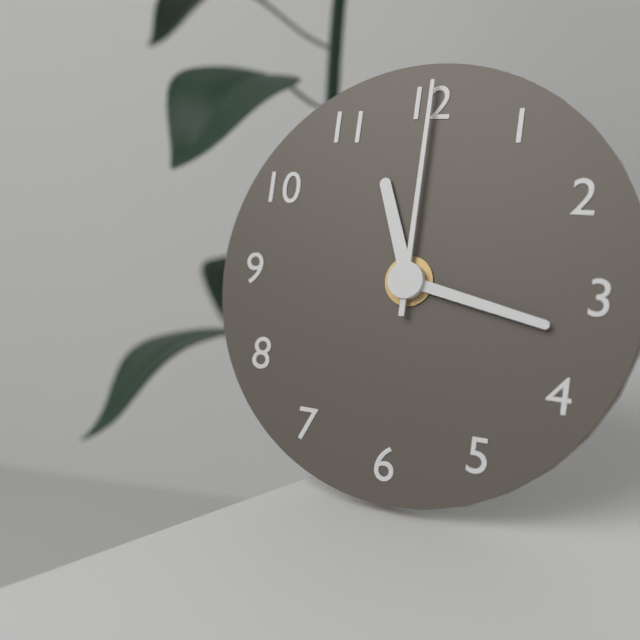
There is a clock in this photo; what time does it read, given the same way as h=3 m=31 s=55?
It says h=11 m=17 s=0
